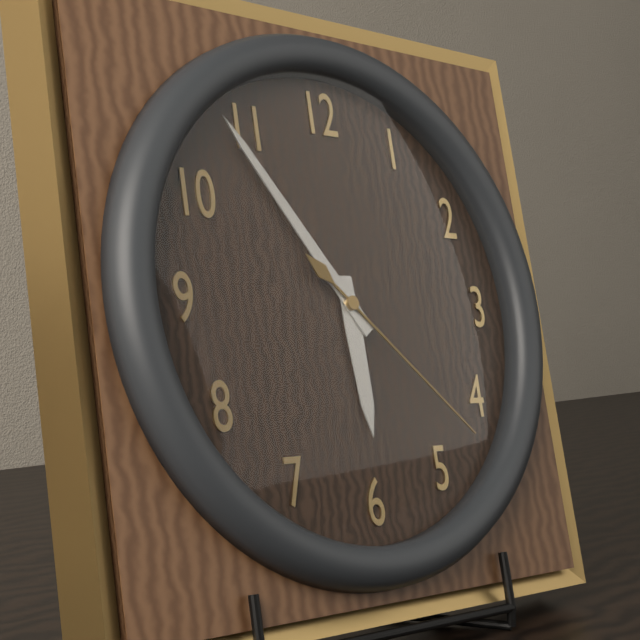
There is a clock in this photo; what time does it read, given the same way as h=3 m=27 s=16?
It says h=5 m=54 s=22
